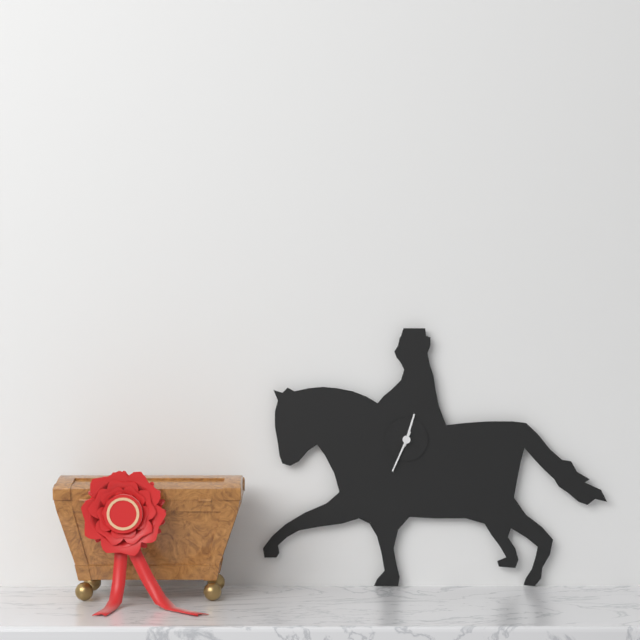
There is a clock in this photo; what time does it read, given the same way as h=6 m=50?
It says h=12 m=34
